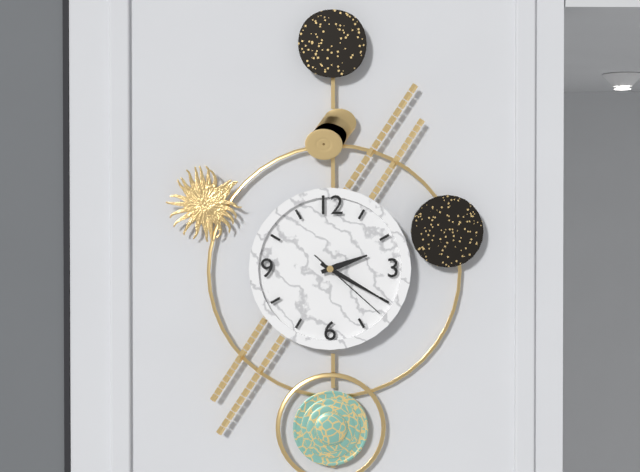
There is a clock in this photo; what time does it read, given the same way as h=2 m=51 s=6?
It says h=2 m=20 s=22
